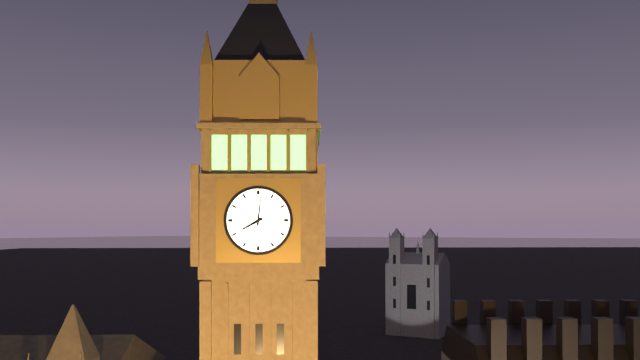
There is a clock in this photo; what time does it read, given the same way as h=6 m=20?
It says h=8 m=1
